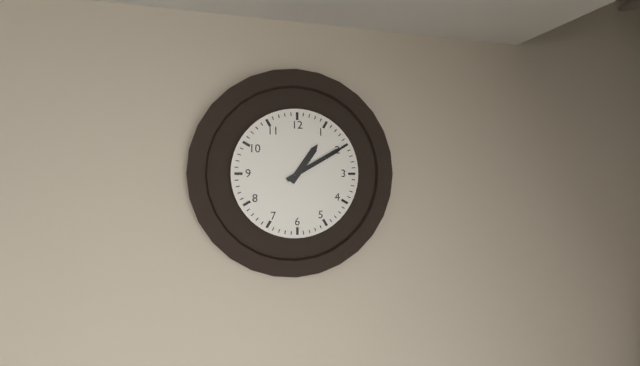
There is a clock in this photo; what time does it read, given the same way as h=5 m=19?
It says h=1 m=10
